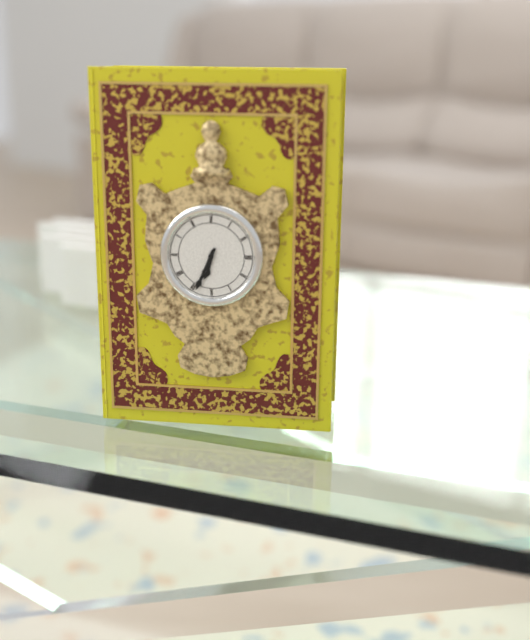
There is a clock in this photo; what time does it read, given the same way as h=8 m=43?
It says h=6 m=34
